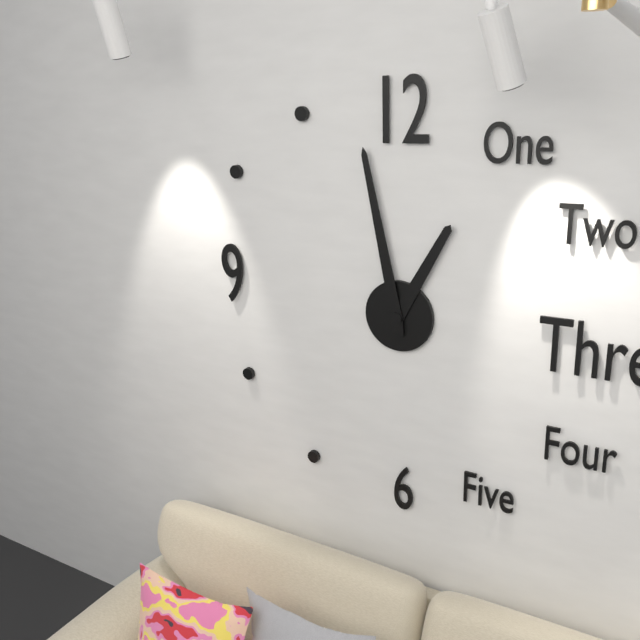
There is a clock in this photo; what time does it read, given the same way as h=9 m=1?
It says h=12 m=58
